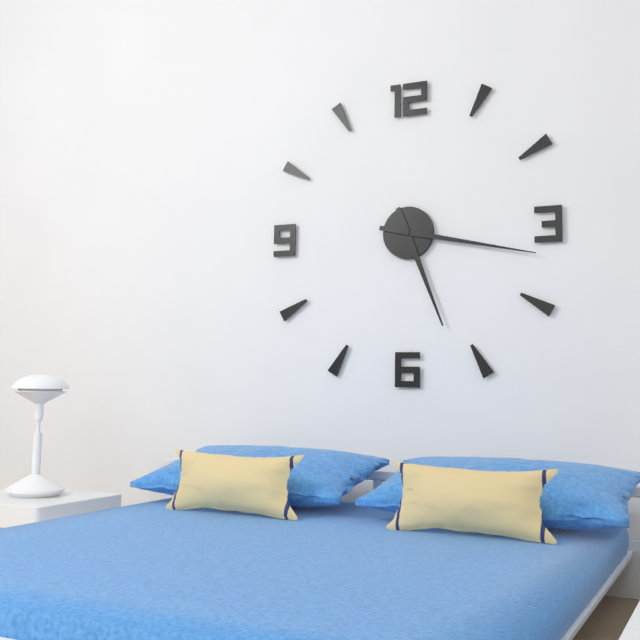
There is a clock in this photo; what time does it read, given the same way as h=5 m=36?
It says h=5 m=17
